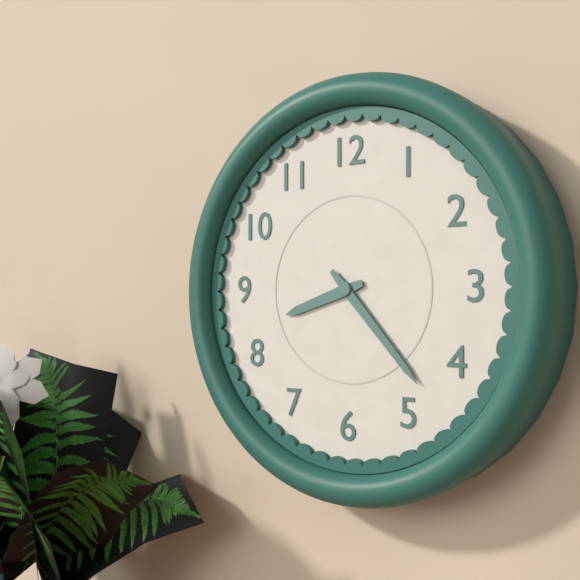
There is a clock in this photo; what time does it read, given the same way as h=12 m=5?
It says h=8 m=23
